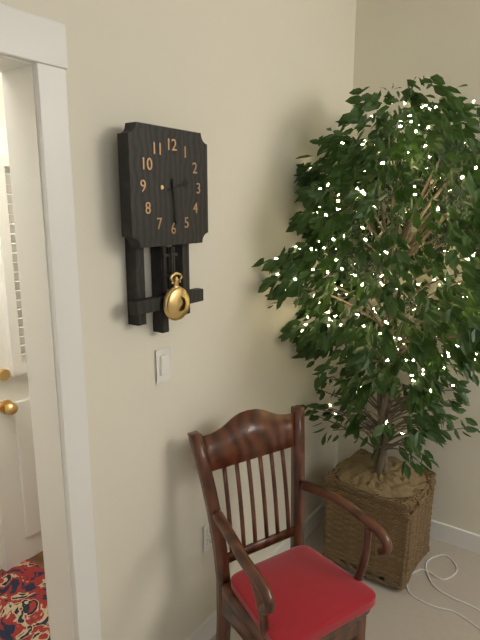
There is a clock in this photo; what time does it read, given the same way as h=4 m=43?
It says h=2 m=29
